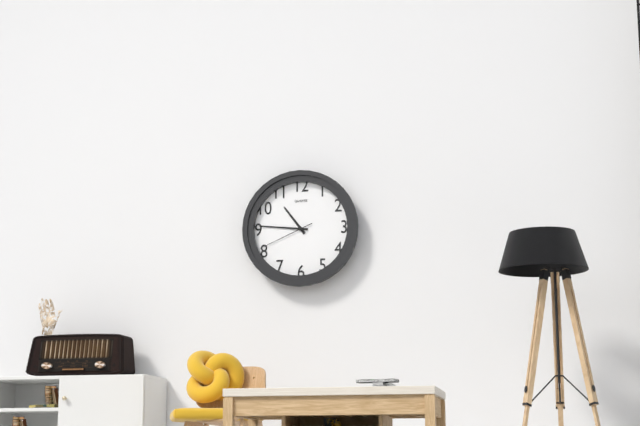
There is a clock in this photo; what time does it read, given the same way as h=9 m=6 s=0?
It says h=10 m=46 s=41
